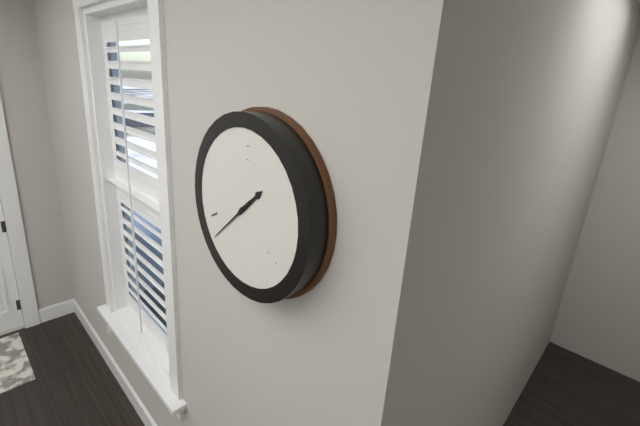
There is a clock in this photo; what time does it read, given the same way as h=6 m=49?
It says h=1 m=38
